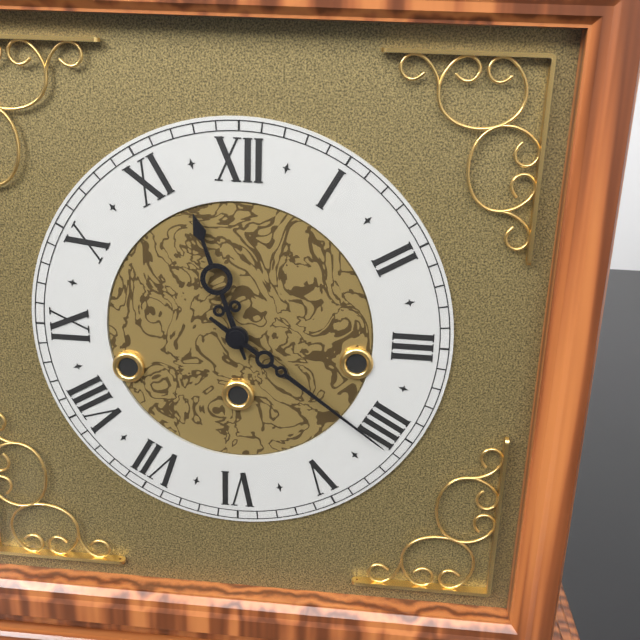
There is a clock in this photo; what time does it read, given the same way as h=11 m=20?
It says h=11 m=21
